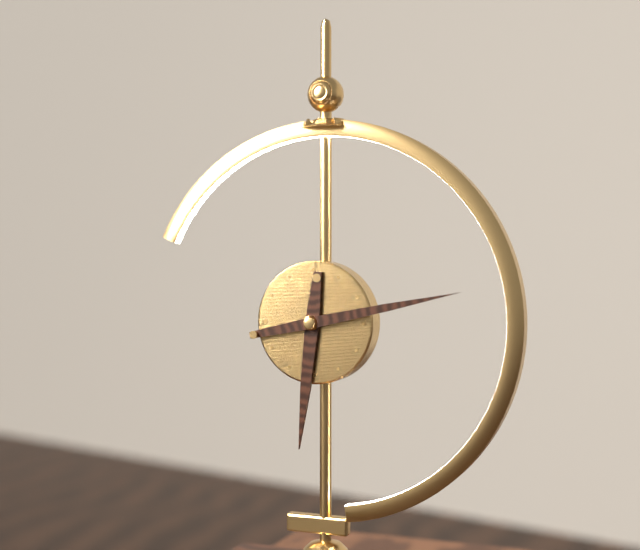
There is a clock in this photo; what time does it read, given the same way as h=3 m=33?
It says h=6 m=13
